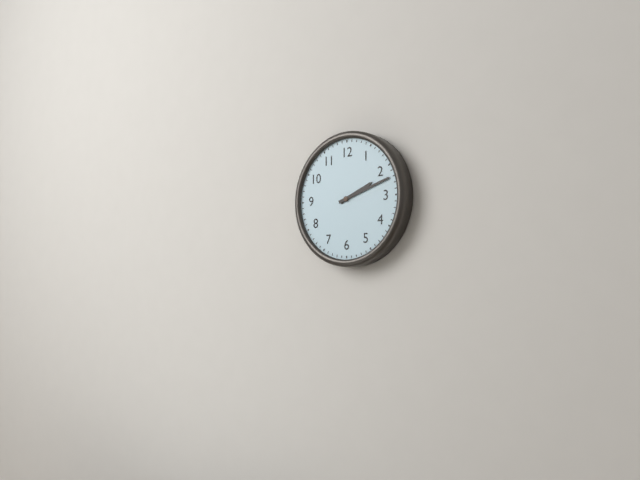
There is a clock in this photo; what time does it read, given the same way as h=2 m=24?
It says h=2 m=12
